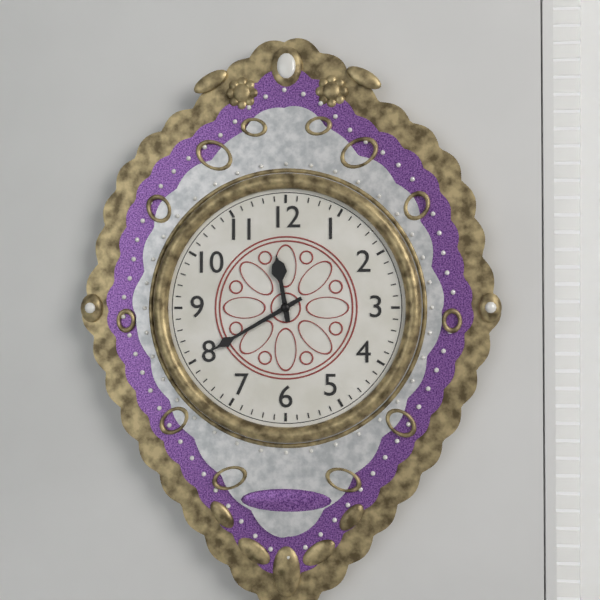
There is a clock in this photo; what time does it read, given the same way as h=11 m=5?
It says h=11 m=40
